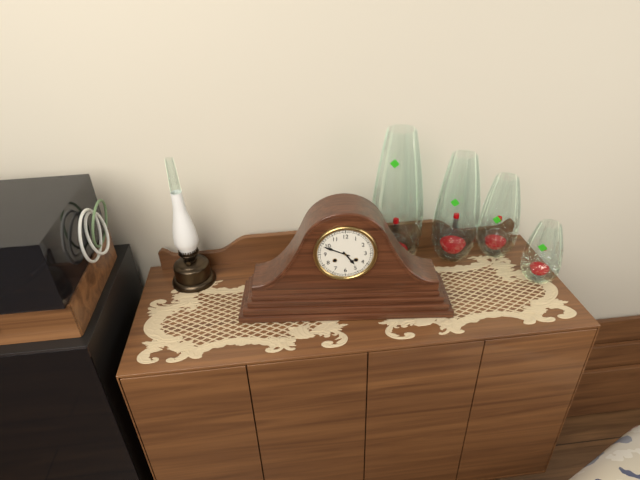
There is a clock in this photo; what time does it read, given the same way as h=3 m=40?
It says h=4 m=49
